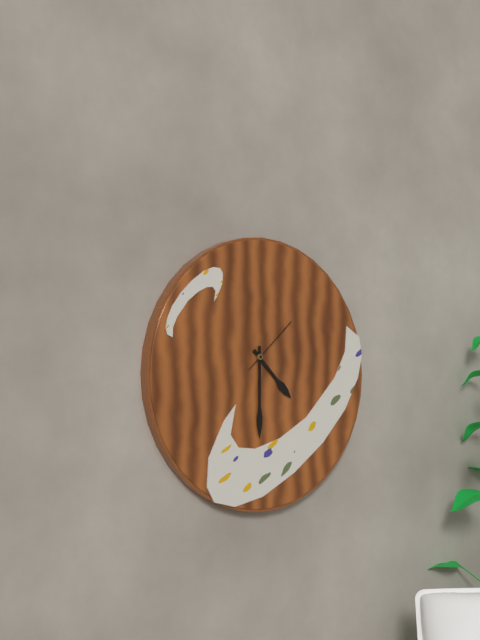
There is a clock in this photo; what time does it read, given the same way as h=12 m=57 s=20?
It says h=4 m=30 s=8
